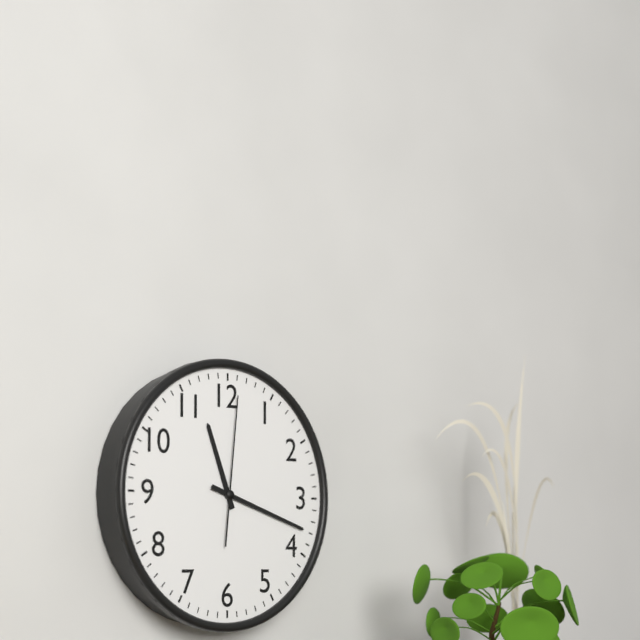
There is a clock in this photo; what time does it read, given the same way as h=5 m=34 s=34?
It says h=11 m=18 s=1
